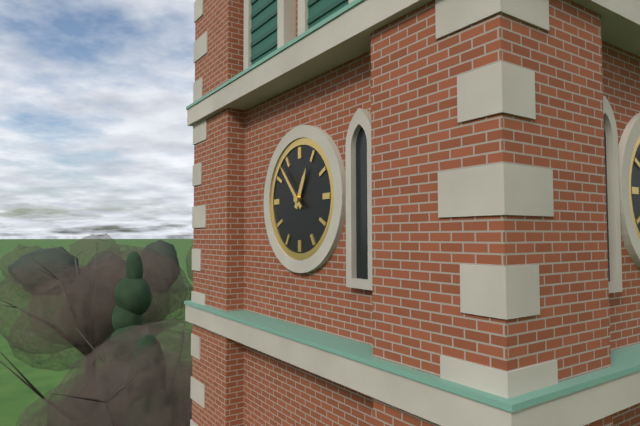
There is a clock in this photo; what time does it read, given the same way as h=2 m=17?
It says h=12 m=53
